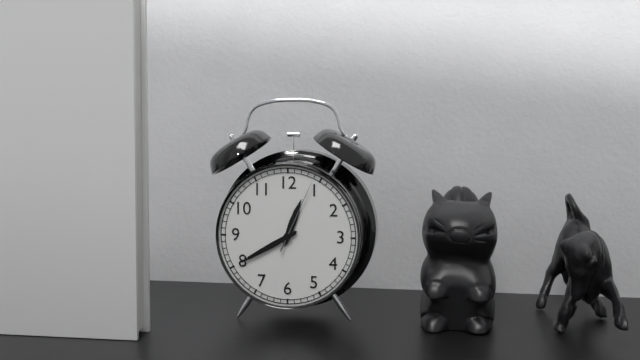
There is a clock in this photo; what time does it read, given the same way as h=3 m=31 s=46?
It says h=12 m=40 s=4
